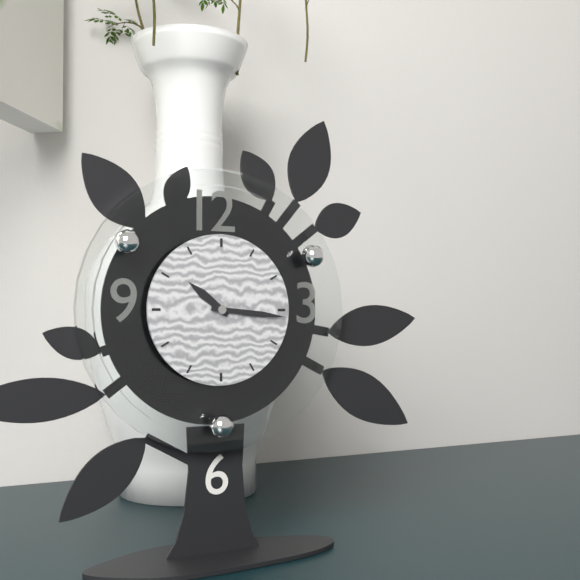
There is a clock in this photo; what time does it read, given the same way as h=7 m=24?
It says h=10 m=16
